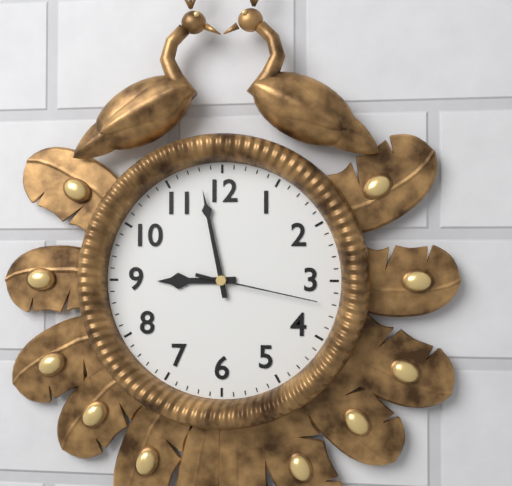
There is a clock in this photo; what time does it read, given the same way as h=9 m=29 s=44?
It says h=8 m=58 s=17
